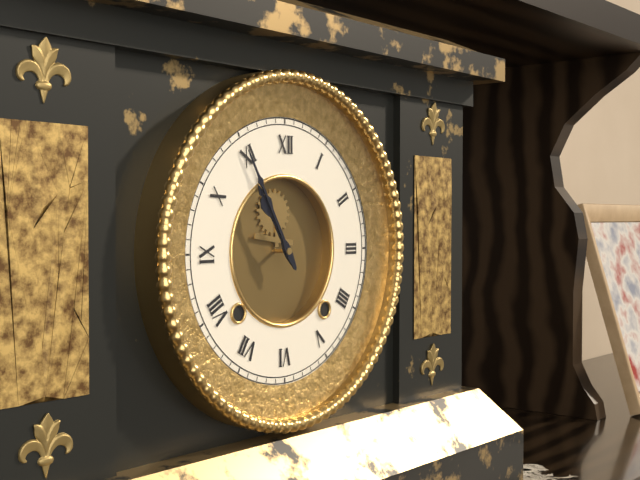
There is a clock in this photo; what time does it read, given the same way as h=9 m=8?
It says h=10 m=55
